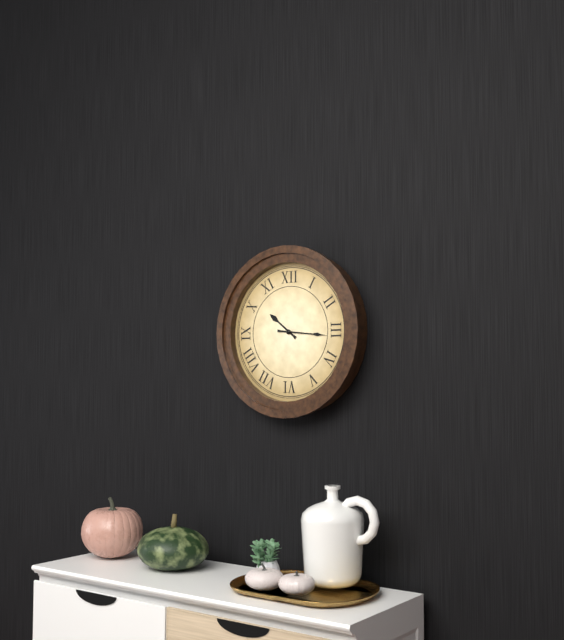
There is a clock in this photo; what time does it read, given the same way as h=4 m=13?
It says h=10 m=16
